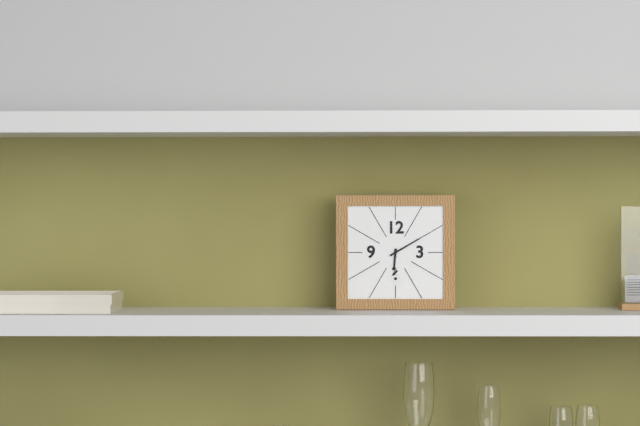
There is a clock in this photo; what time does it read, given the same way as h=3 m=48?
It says h=6 m=10
